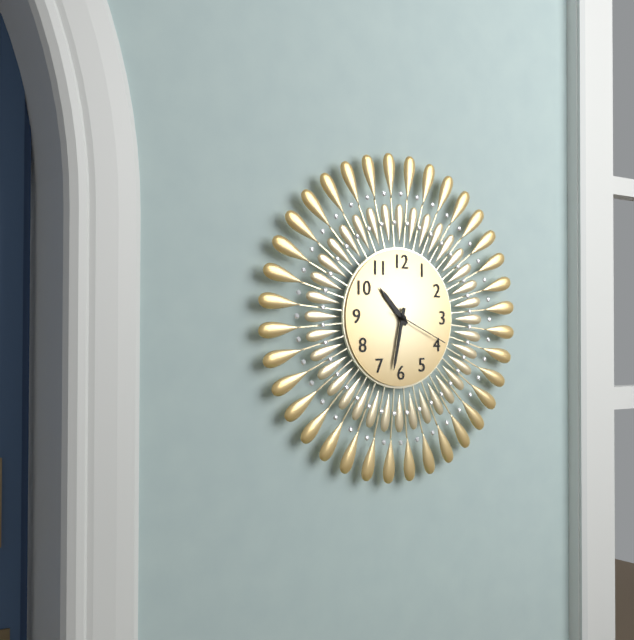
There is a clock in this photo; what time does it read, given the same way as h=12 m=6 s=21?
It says h=10 m=32 s=19
